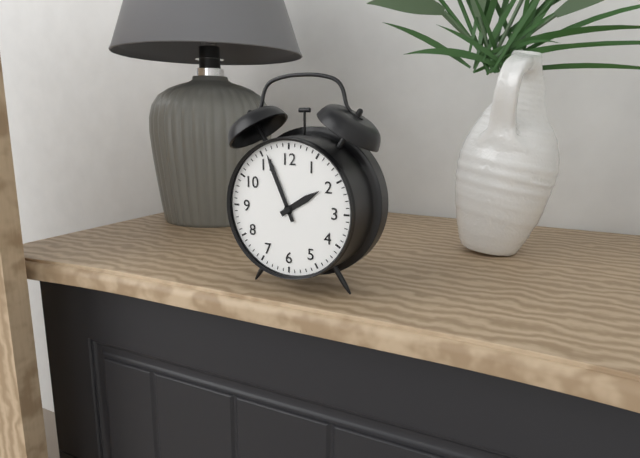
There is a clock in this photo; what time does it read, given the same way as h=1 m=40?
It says h=1 m=56
